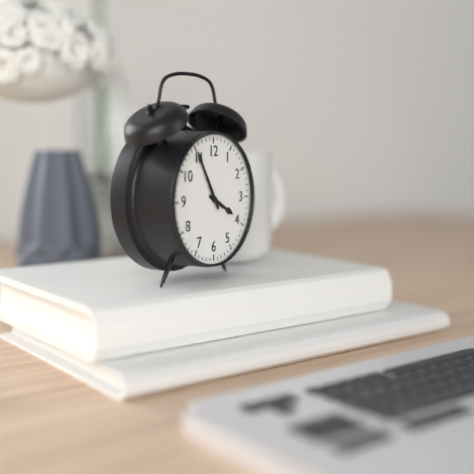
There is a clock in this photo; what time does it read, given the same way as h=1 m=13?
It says h=3 m=55
